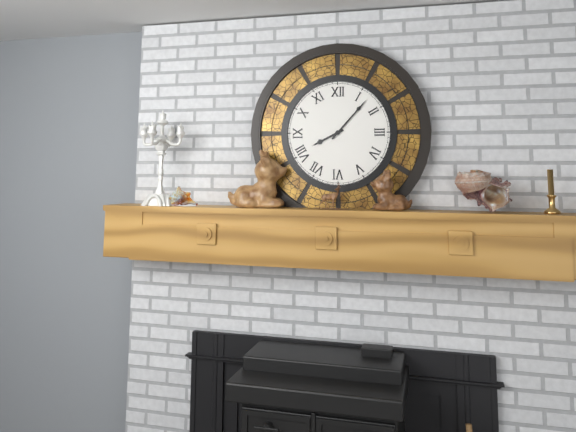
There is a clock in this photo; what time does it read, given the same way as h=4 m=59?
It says h=8 m=7
